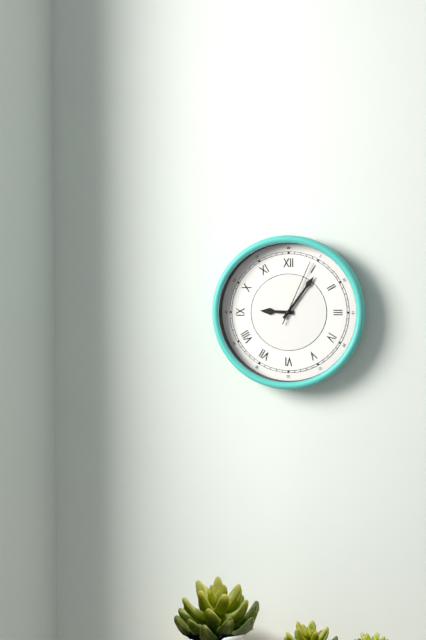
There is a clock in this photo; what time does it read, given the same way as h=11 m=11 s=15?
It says h=9 m=6 s=4
